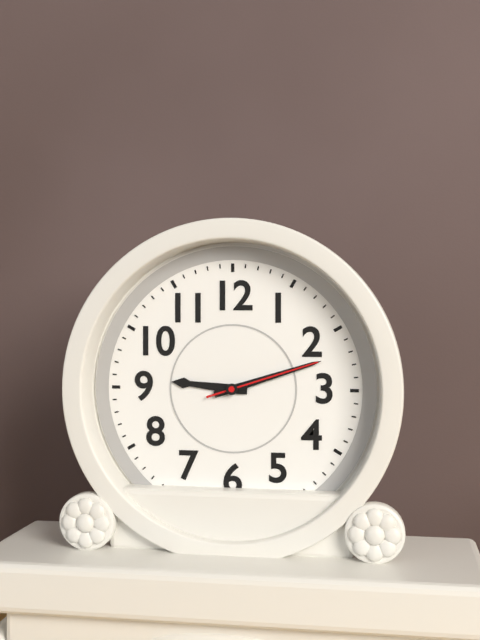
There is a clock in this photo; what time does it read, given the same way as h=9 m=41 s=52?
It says h=9 m=12 s=12
